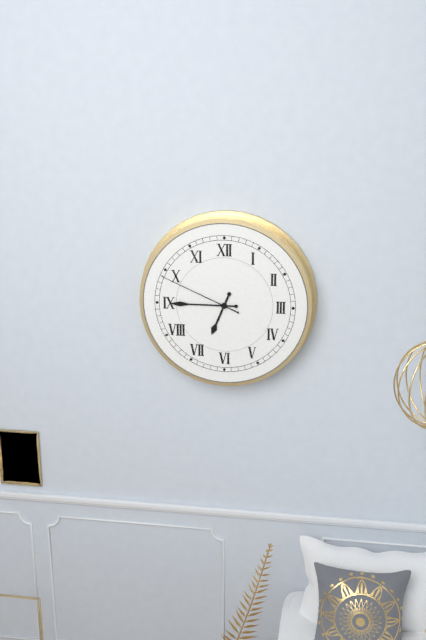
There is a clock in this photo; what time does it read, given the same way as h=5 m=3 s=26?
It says h=6 m=45 s=49
